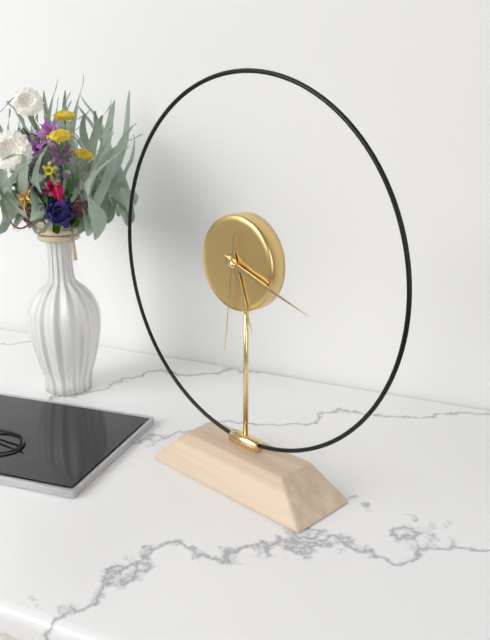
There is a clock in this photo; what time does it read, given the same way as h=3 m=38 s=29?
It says h=5 m=18 s=31
